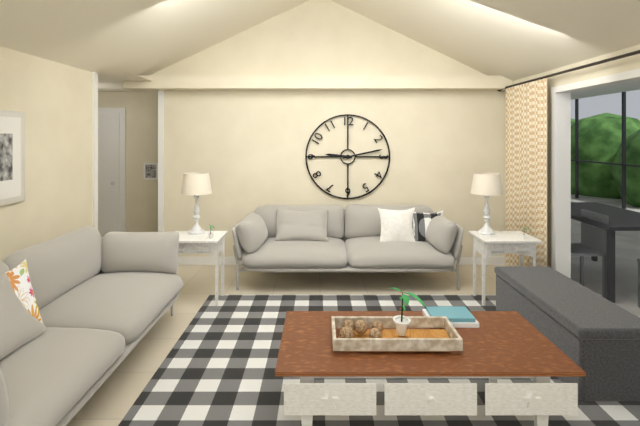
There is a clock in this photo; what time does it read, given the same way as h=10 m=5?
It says h=9 m=13
